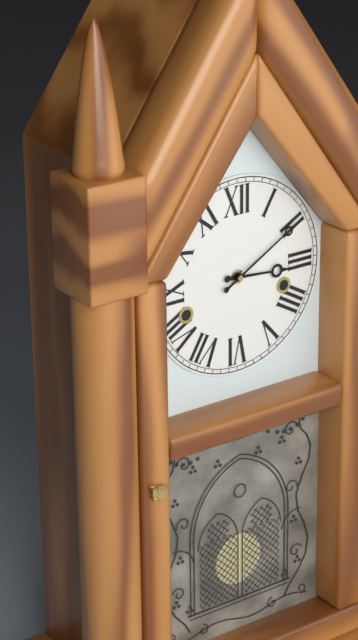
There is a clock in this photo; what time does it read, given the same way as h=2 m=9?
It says h=3 m=10
